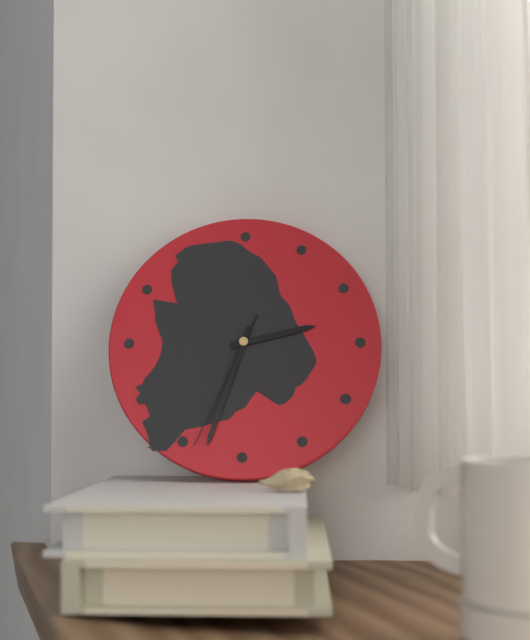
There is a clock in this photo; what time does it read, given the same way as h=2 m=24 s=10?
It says h=2 m=33 s=34
